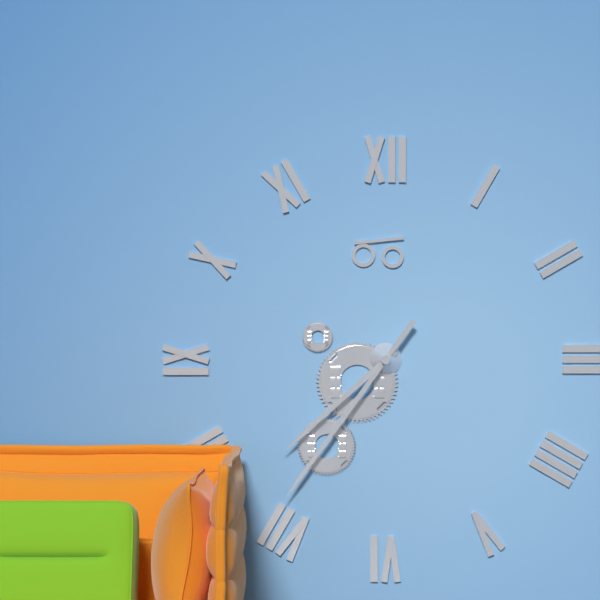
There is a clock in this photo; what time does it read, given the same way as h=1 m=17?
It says h=7 m=36
